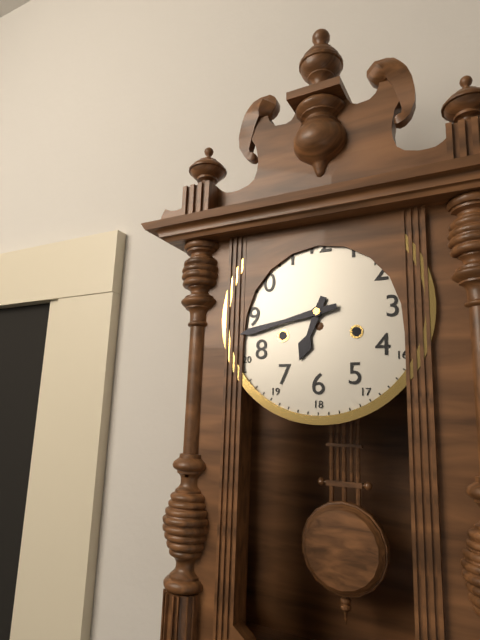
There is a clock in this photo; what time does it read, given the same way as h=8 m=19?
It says h=6 m=43
